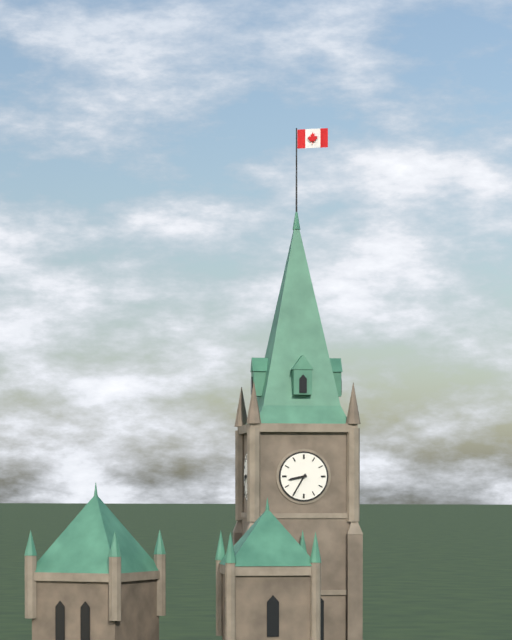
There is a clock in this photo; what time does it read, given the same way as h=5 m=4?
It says h=8 m=35
